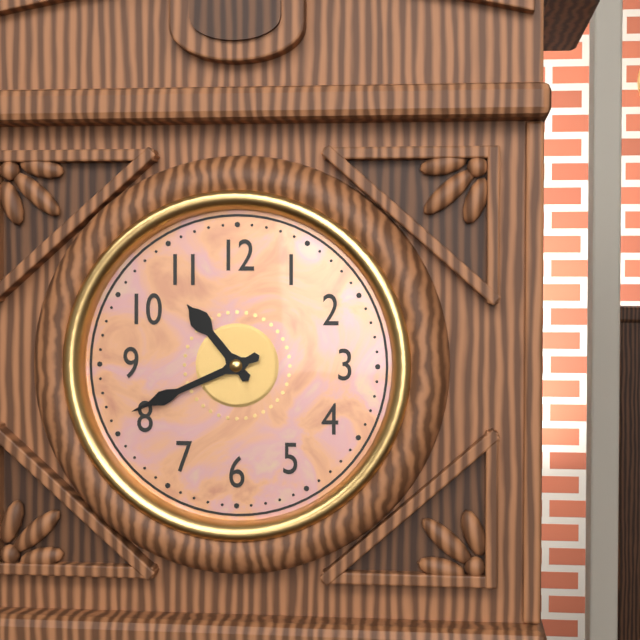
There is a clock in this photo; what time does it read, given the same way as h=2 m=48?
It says h=10 m=41
